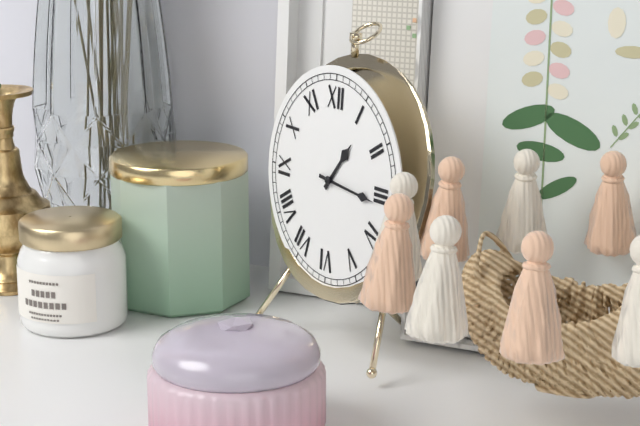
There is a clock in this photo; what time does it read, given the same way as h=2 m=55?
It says h=1 m=16
